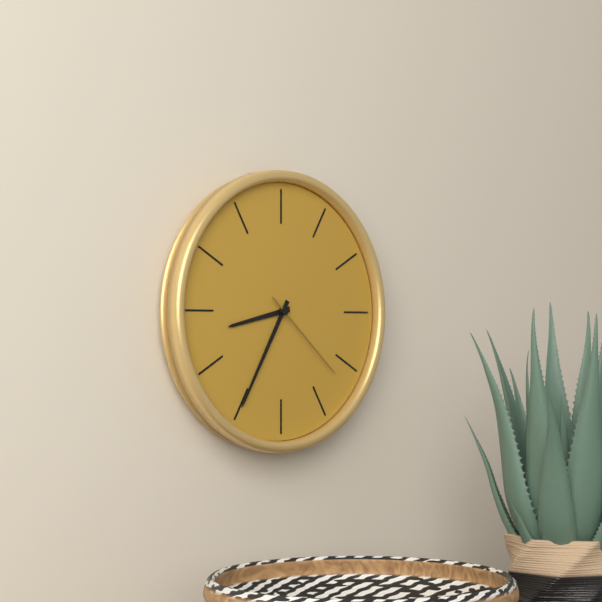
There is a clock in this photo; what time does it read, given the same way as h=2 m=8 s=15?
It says h=8 m=35 s=22
